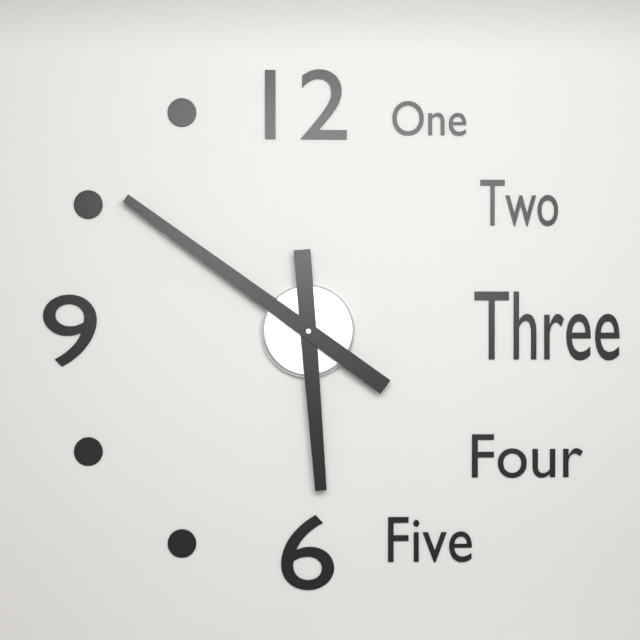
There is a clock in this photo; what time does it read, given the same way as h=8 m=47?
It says h=5 m=51
